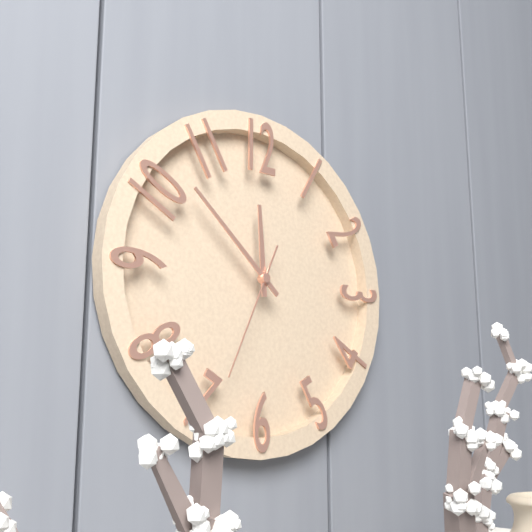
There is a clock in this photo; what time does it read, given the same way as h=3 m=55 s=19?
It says h=11 m=52 s=34
